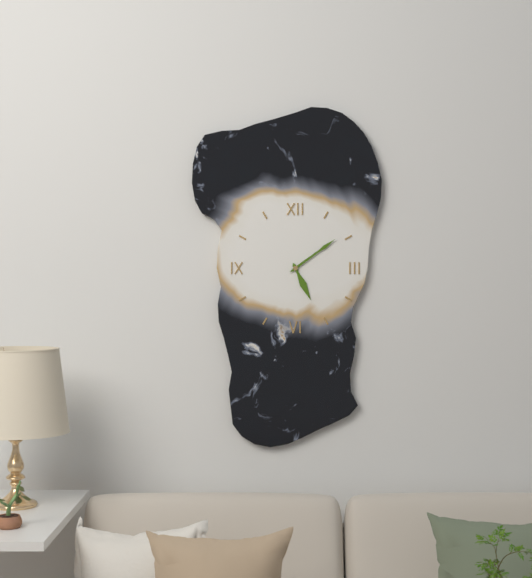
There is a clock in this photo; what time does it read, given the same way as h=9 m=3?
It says h=5 m=9
